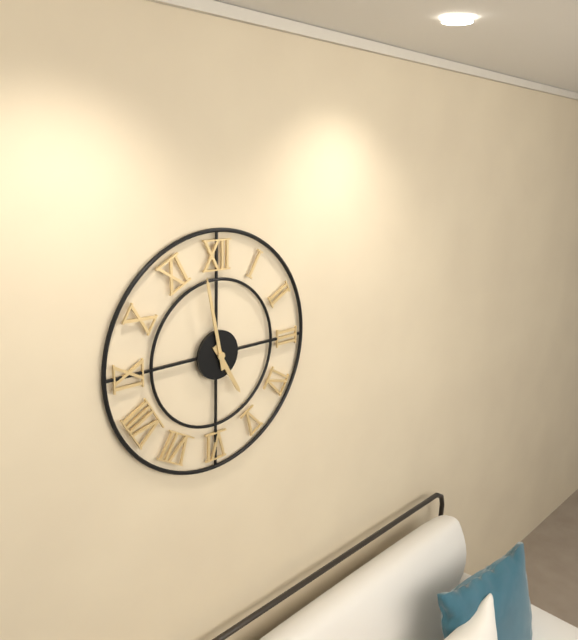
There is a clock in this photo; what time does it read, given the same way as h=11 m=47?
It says h=4 m=58
